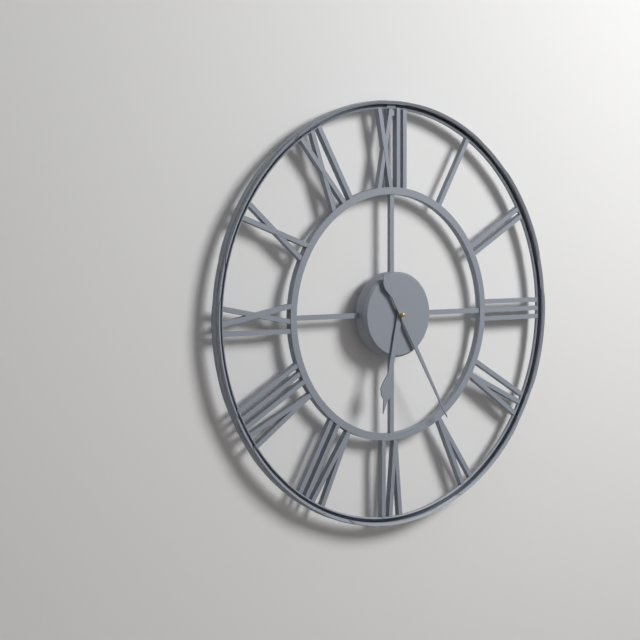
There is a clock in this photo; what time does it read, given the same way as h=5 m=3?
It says h=6 m=25
